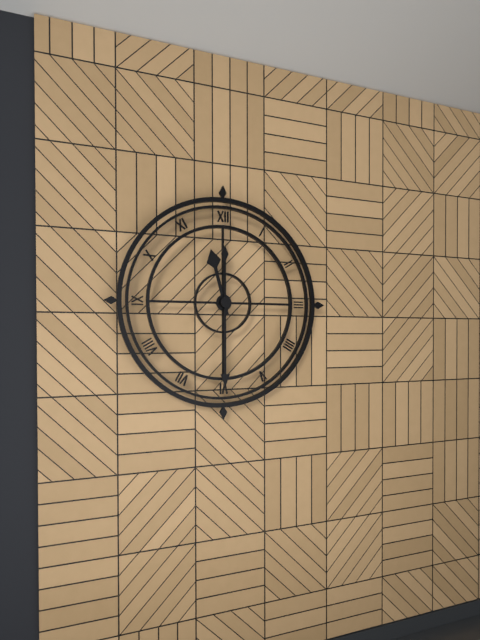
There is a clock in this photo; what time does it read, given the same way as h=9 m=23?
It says h=11 m=30
